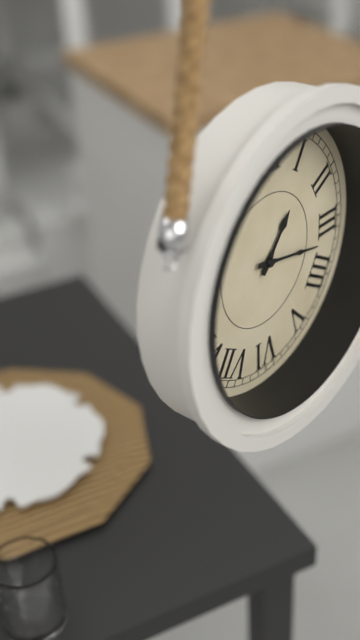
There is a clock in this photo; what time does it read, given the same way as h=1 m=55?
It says h=1 m=17
